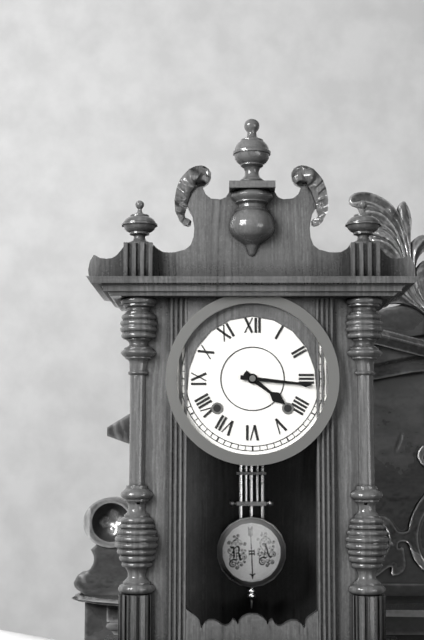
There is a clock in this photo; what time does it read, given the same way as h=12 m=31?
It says h=4 m=16
